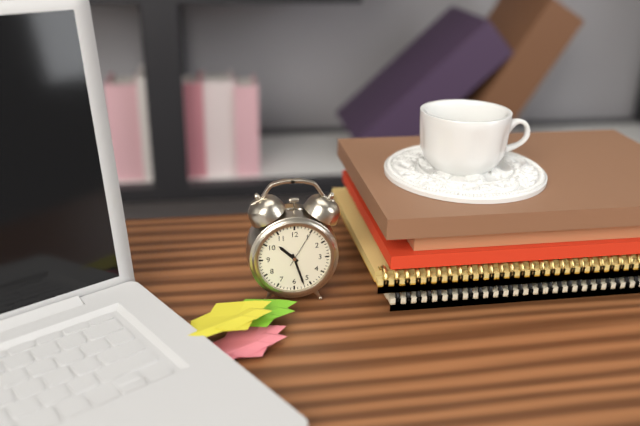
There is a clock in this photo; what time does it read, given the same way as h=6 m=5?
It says h=10 m=27
